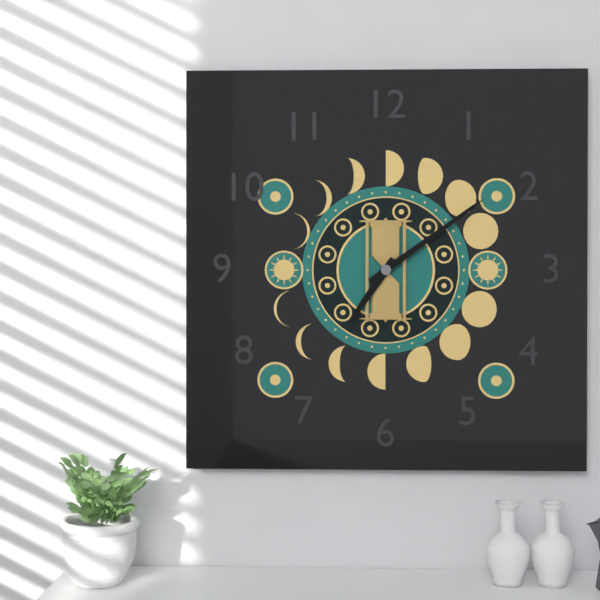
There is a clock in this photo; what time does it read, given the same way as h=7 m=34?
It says h=7 m=9
